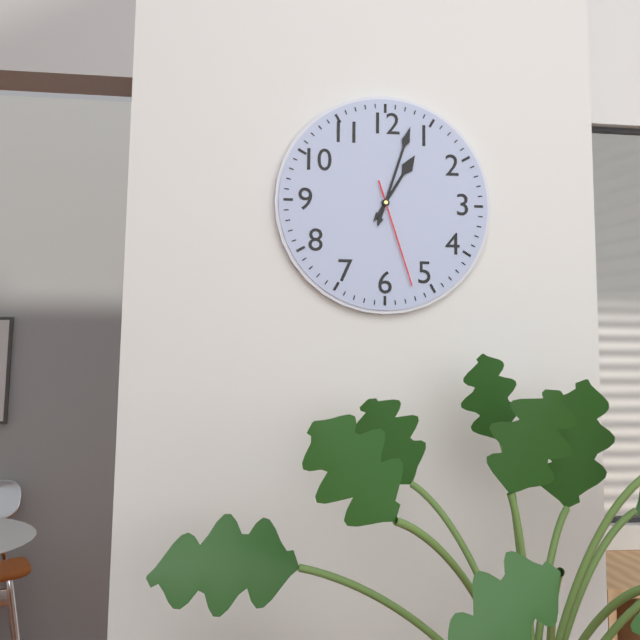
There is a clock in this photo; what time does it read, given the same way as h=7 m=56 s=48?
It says h=1 m=3 s=27
